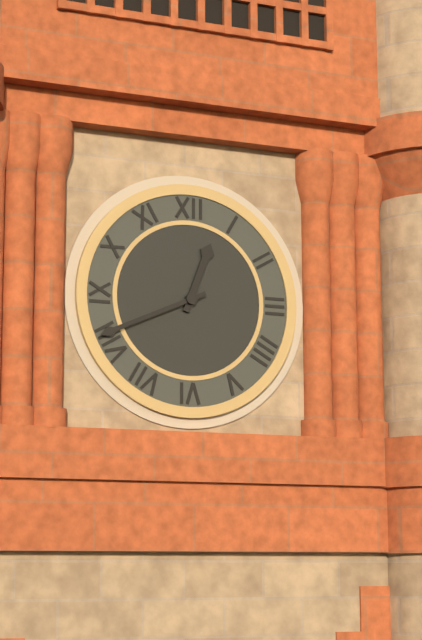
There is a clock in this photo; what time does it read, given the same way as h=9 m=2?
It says h=12 m=41
